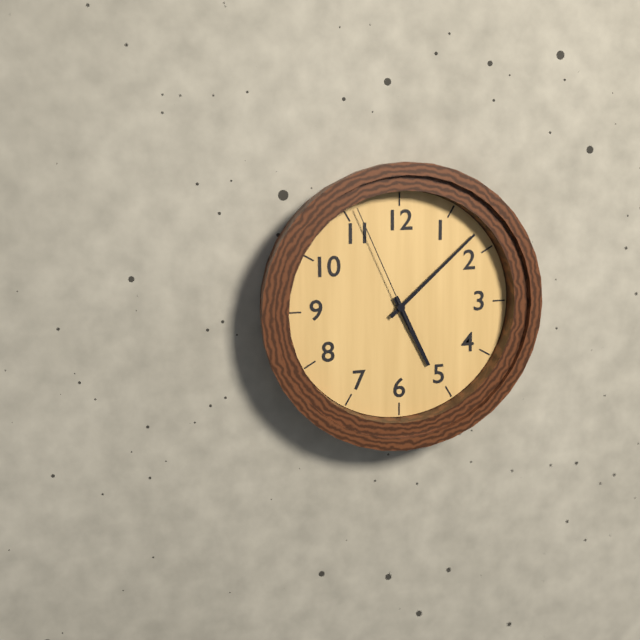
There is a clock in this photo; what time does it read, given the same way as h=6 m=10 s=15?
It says h=5 m=8 s=56
